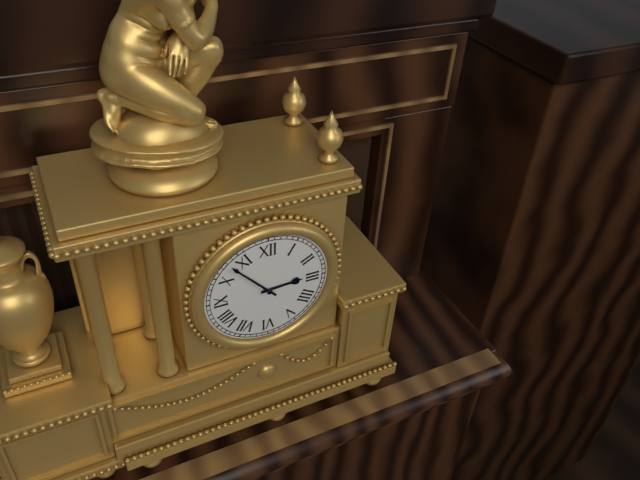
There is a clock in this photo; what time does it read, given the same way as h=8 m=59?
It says h=2 m=53
